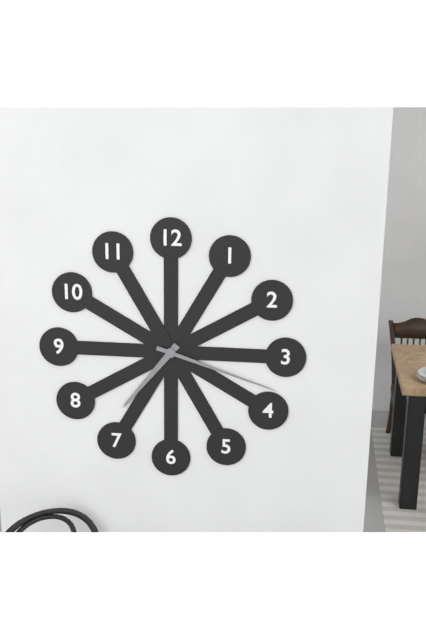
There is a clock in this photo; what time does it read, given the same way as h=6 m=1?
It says h=7 m=18
